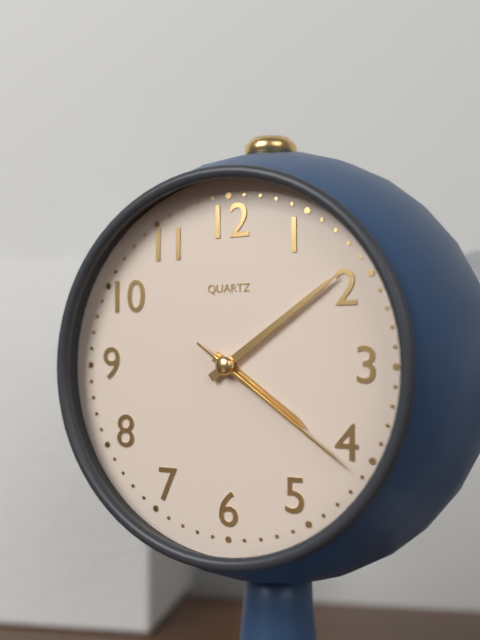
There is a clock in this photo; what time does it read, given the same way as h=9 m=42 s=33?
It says h=4 m=9 s=21
